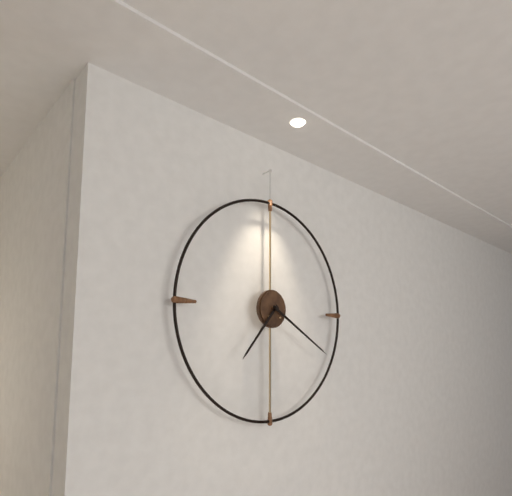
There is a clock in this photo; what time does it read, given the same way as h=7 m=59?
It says h=7 m=20
